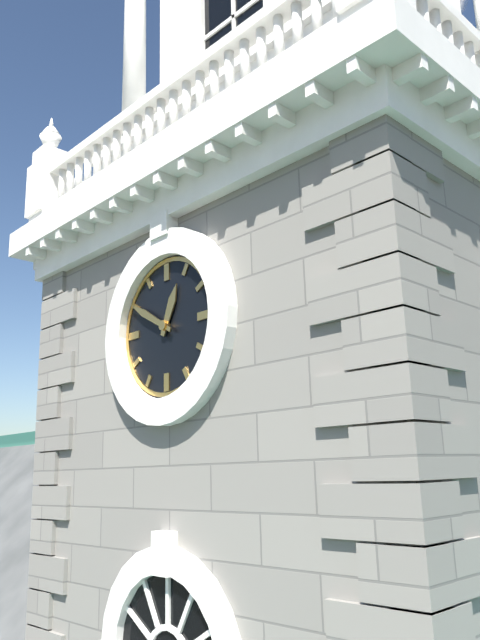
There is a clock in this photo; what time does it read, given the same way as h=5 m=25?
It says h=12 m=50
